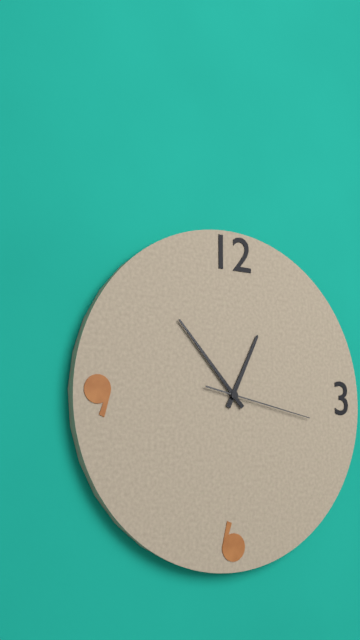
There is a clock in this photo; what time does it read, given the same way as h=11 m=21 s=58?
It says h=12 m=53 s=17
